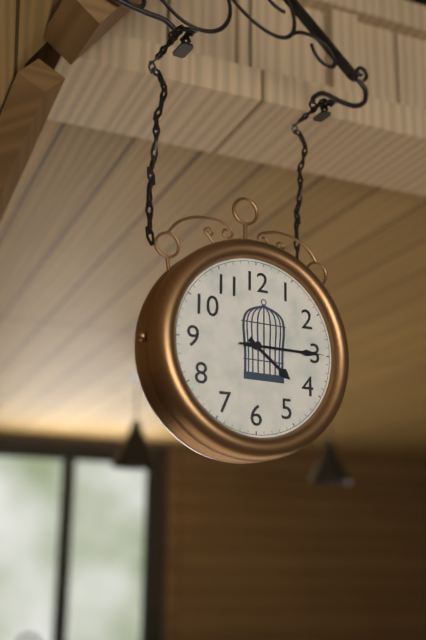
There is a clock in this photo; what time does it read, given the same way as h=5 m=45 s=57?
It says h=4 m=15 s=15
